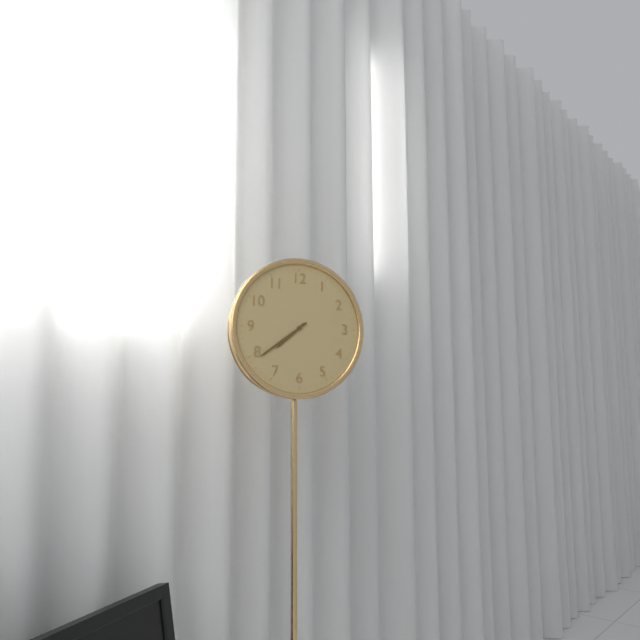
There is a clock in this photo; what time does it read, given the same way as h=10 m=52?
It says h=7 m=39
